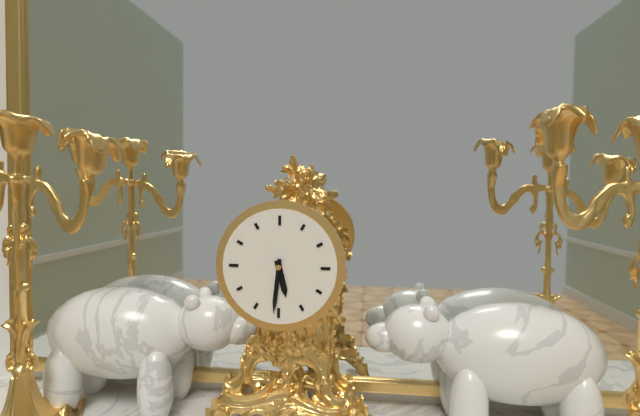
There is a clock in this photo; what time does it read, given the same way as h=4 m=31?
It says h=5 m=31
